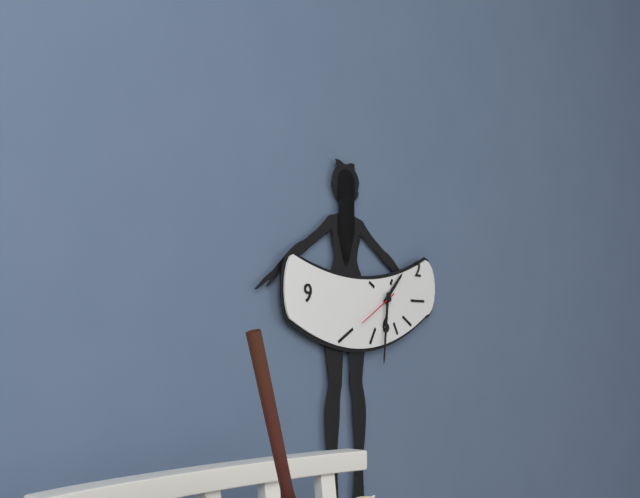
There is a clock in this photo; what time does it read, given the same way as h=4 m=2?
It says h=1 m=31
